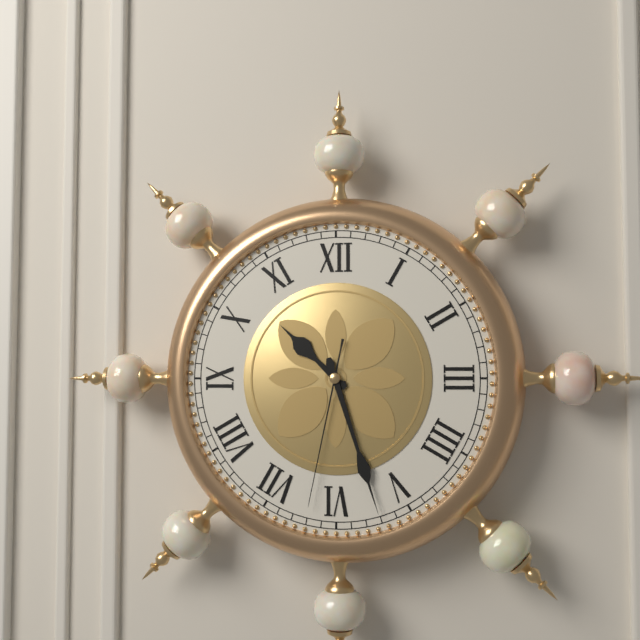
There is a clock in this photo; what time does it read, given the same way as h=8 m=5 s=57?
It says h=10 m=27 s=32
